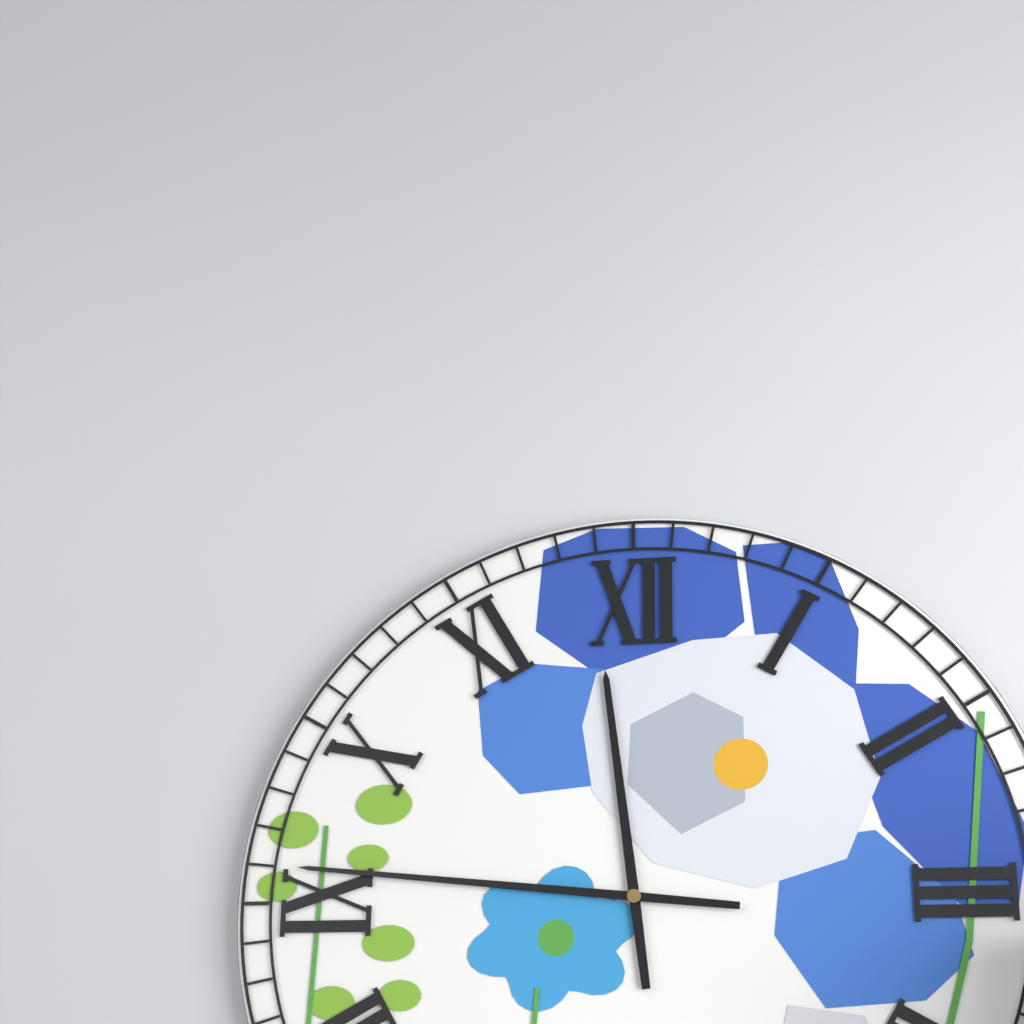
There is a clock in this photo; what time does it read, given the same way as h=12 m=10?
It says h=11 m=46
